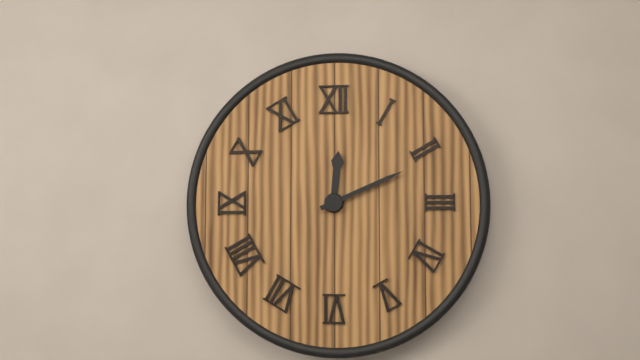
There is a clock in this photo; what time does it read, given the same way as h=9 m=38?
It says h=12 m=11
